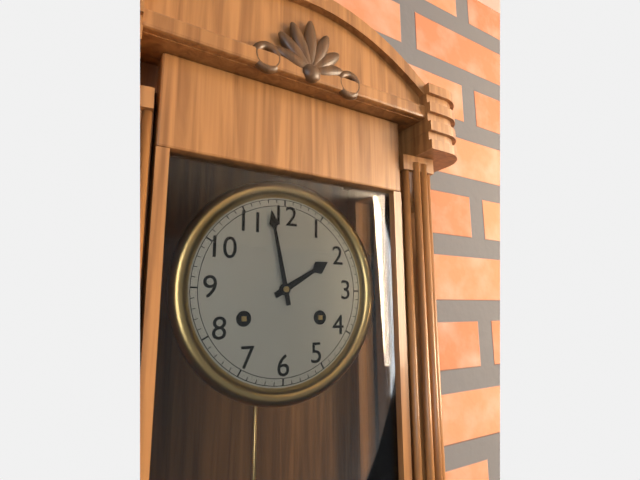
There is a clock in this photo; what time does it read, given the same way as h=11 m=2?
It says h=1 m=58
